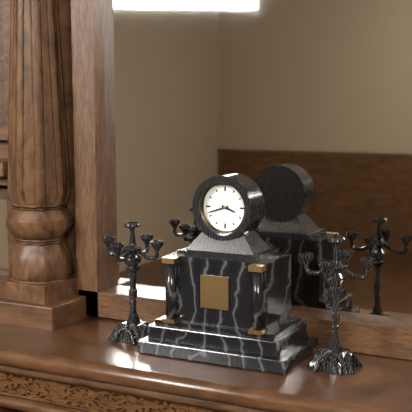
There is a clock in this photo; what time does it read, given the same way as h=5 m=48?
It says h=3 m=42
